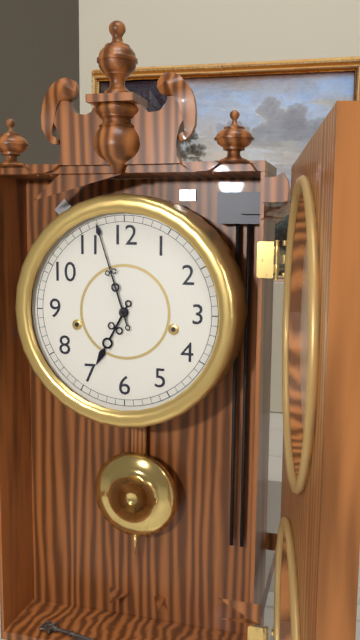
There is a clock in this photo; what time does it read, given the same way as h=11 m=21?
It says h=6 m=57
